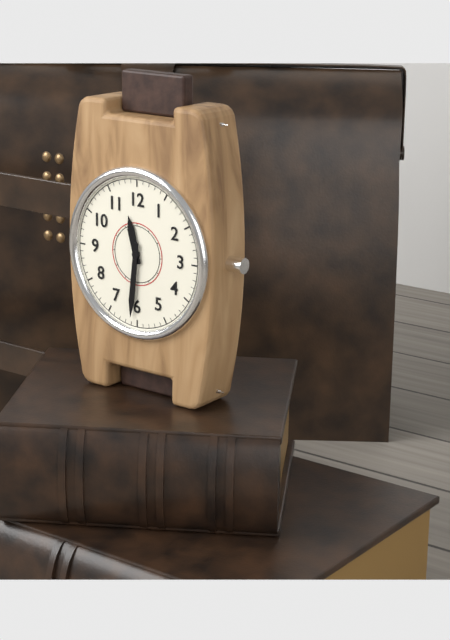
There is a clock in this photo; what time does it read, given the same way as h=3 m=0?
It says h=11 m=31
